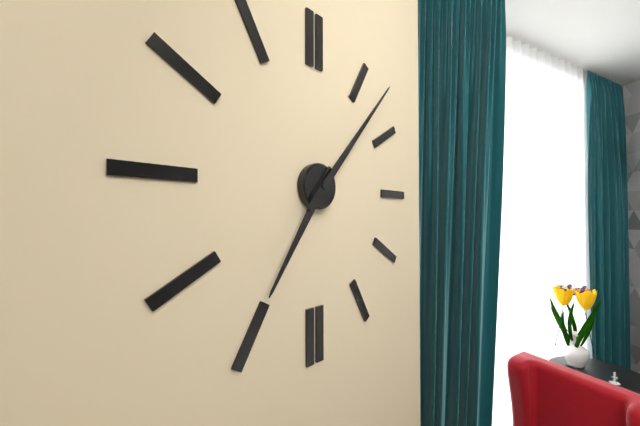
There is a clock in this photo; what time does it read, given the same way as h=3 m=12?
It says h=7 m=7
